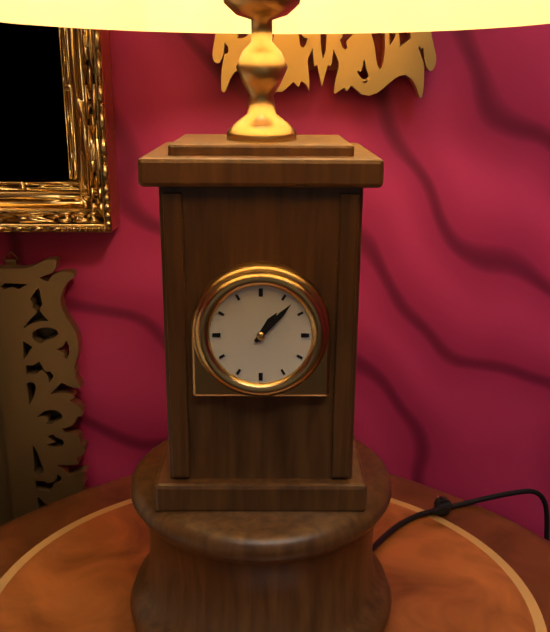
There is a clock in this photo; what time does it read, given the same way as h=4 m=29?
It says h=1 m=7
